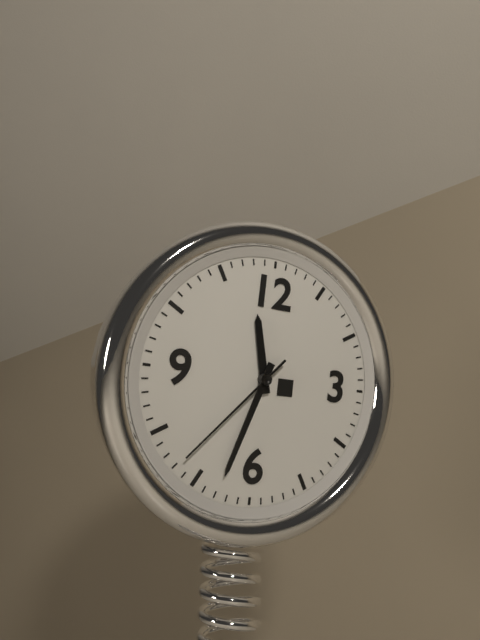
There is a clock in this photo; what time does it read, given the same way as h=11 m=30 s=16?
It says h=11 m=33 s=37
